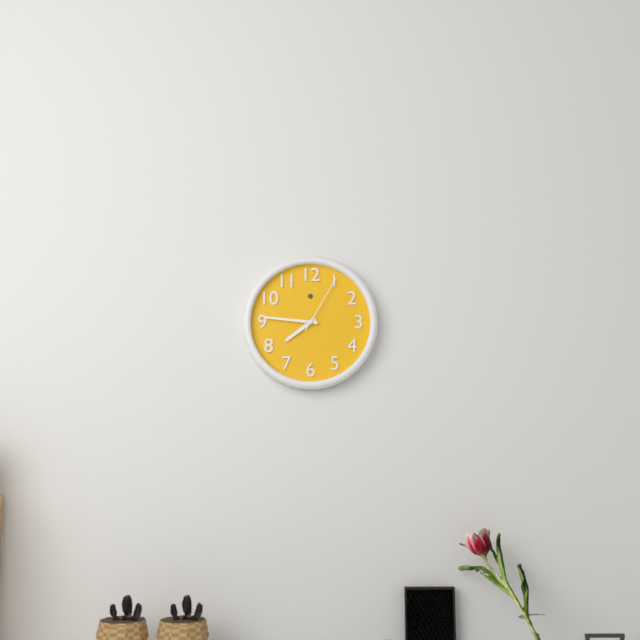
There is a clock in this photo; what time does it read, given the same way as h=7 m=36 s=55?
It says h=7 m=46 s=5
